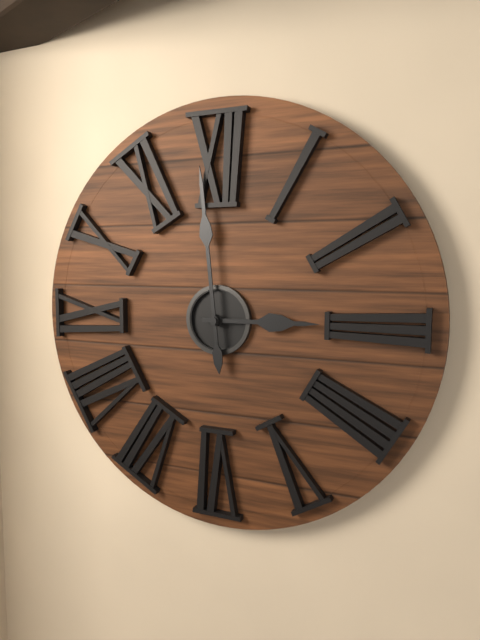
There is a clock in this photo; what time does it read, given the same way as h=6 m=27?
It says h=2 m=59
